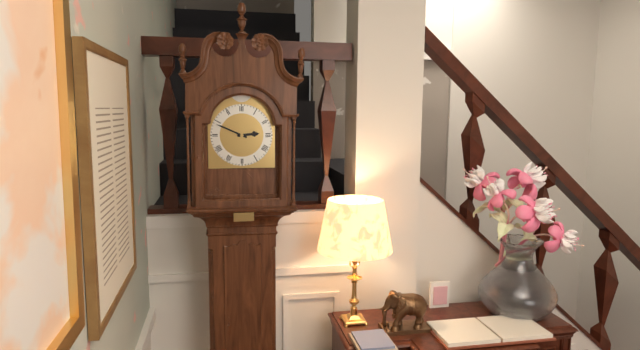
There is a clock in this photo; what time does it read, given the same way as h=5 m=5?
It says h=2 m=49
